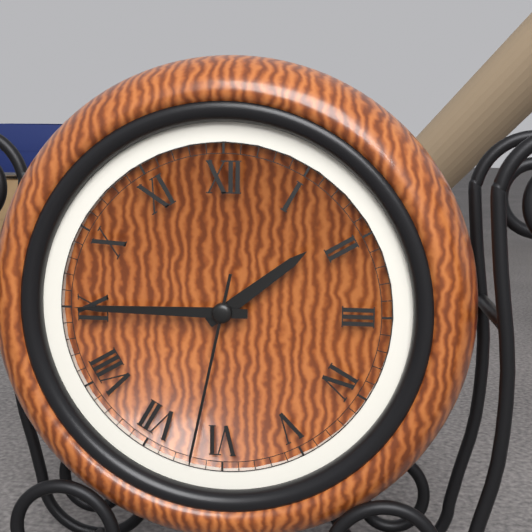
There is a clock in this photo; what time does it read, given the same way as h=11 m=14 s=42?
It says h=1 m=45 s=32
